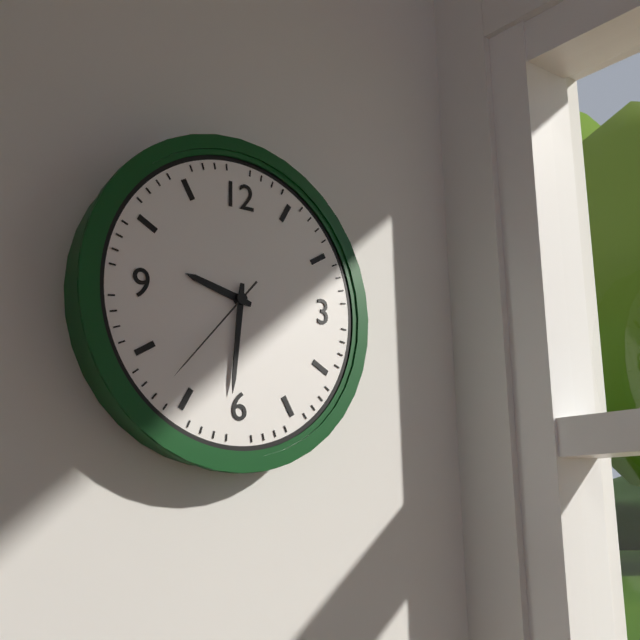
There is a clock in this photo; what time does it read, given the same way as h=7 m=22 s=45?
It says h=9 m=31 s=37
